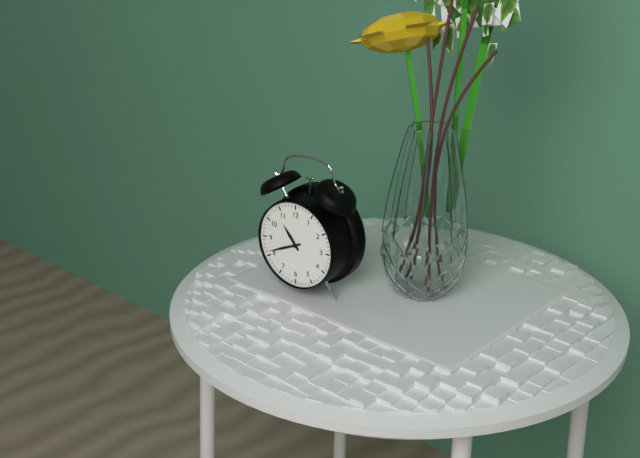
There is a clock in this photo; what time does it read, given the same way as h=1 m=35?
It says h=10 m=41
